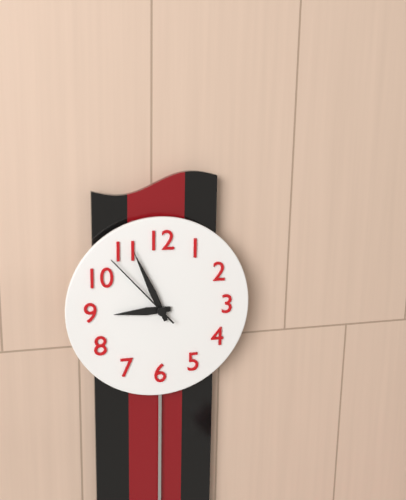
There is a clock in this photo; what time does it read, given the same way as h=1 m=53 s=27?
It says h=8 m=56 s=53
